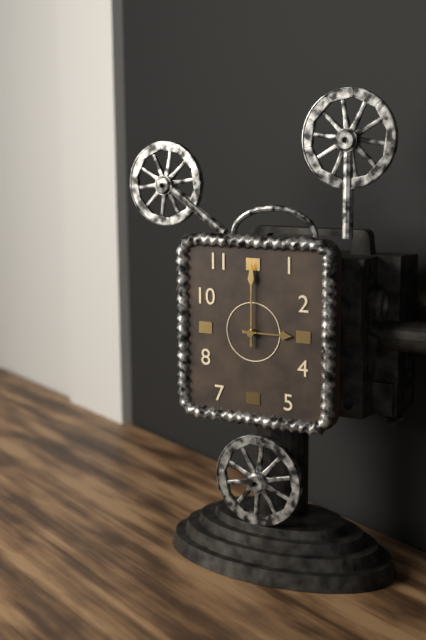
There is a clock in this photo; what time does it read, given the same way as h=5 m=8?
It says h=3 m=0
